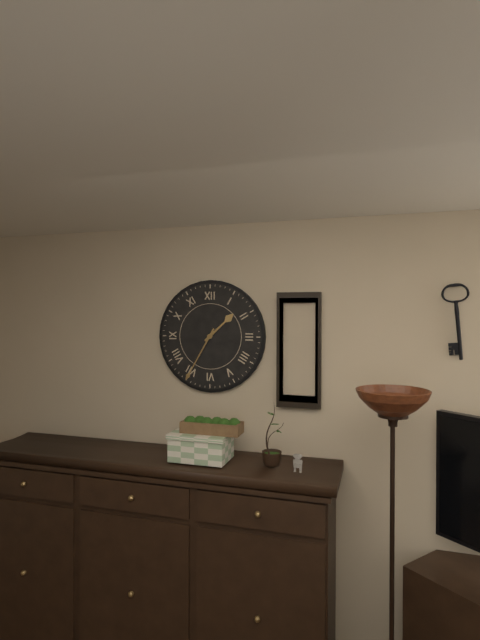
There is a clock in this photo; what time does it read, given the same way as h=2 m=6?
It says h=1 m=35
